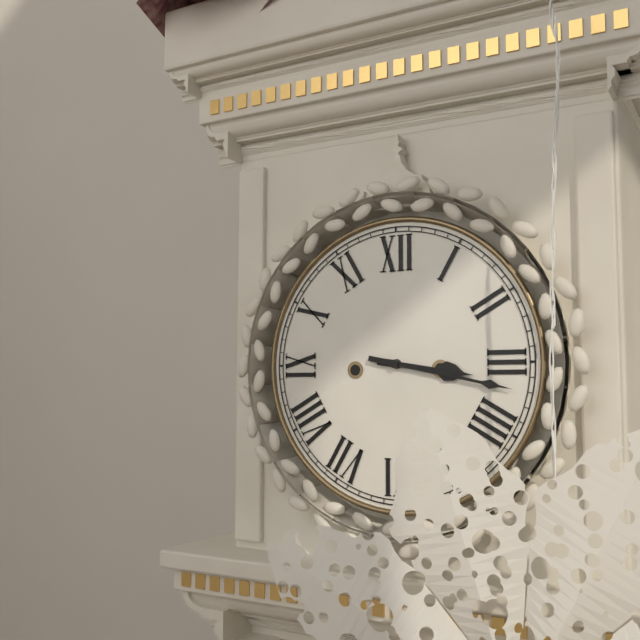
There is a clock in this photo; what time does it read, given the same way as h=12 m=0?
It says h=3 m=17
